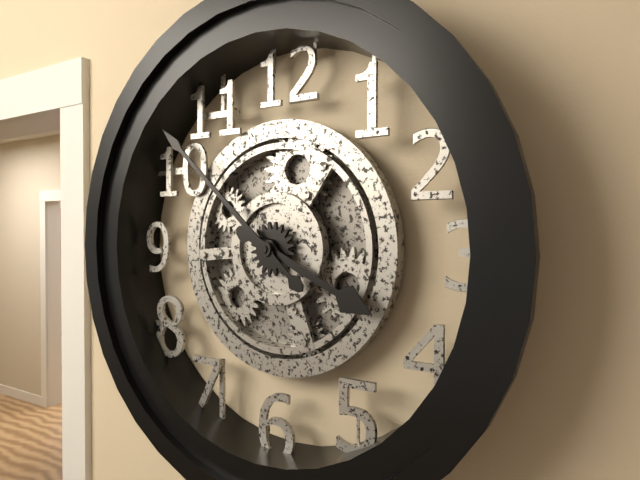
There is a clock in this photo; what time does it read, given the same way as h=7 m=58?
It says h=3 m=52
